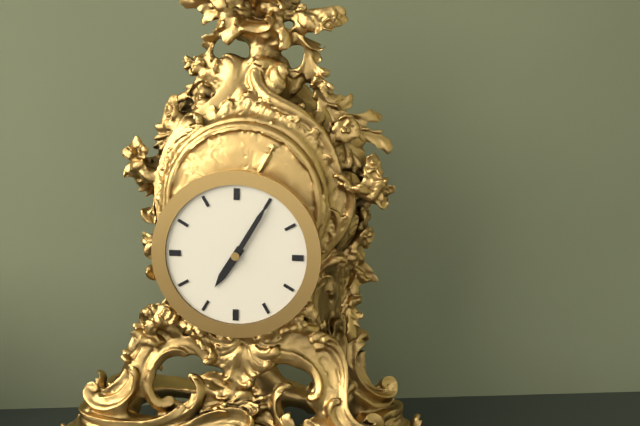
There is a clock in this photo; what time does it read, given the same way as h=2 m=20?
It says h=7 m=5
